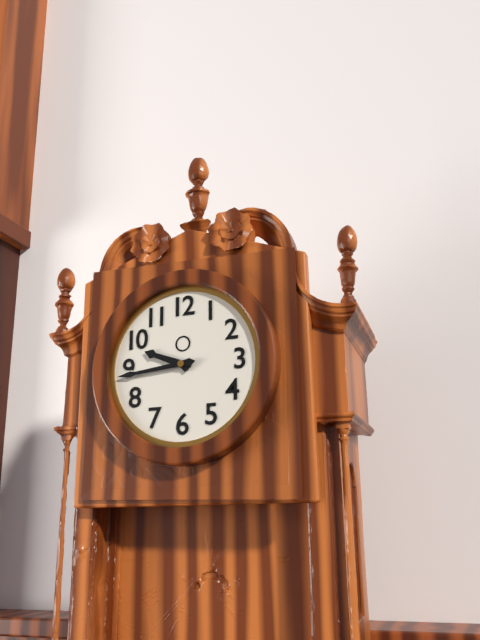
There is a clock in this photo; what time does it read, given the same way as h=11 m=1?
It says h=9 m=44
